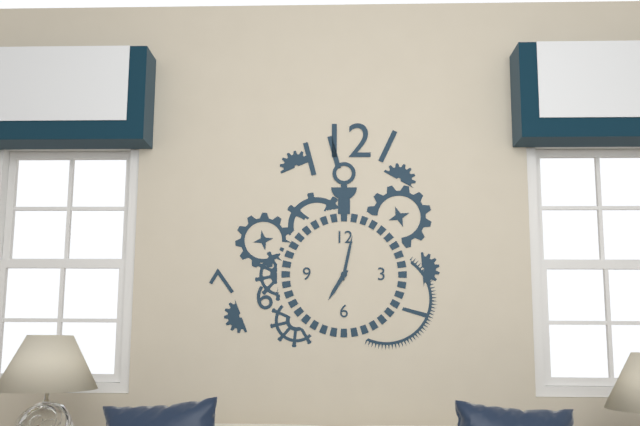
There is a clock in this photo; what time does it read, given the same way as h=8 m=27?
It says h=7 m=2
